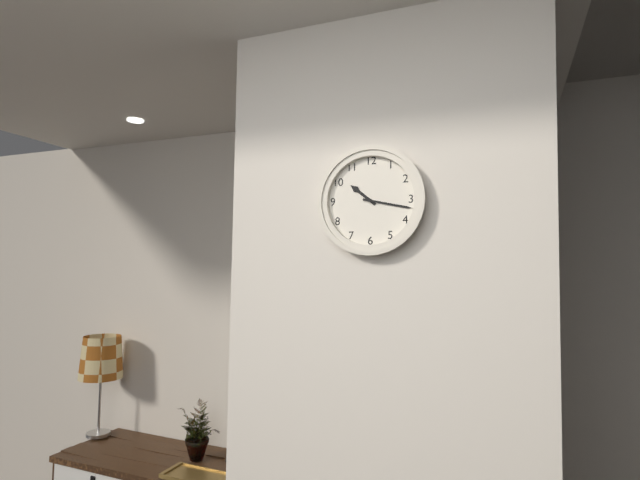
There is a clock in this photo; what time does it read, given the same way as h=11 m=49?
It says h=10 m=17
